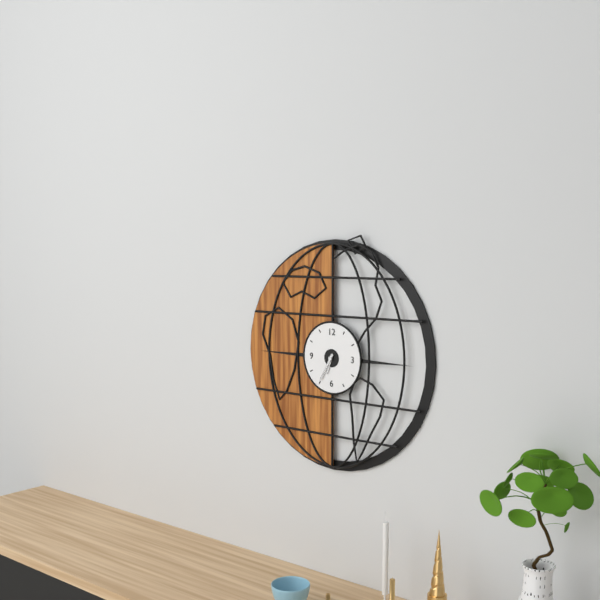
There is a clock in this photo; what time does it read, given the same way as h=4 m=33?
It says h=6 m=35
